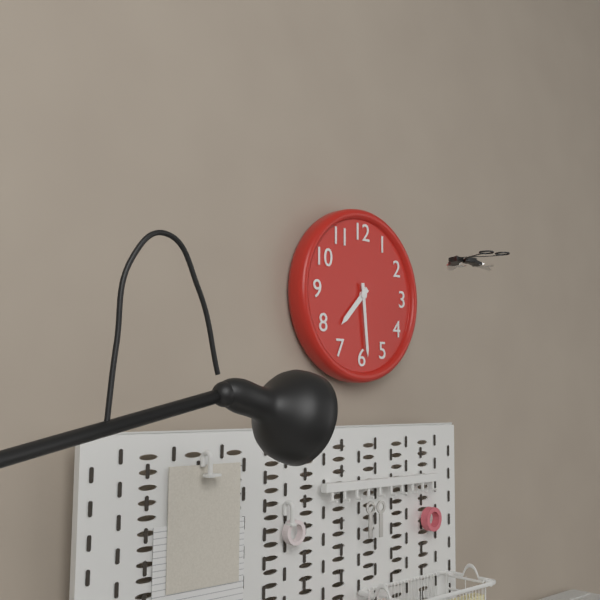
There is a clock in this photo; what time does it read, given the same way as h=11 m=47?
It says h=7 m=29
